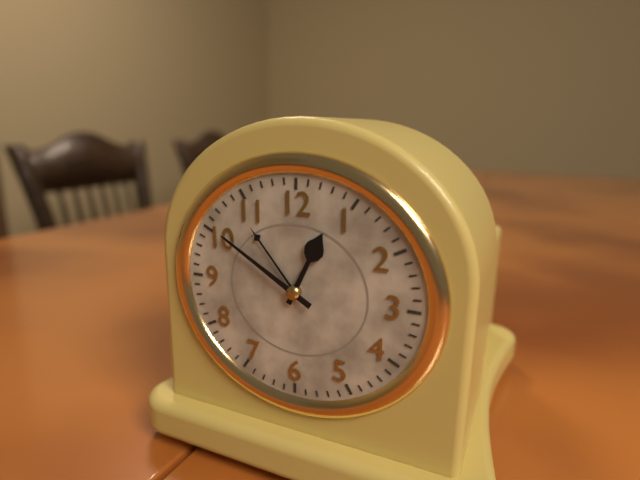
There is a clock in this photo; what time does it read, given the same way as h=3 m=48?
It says h=12 m=50
